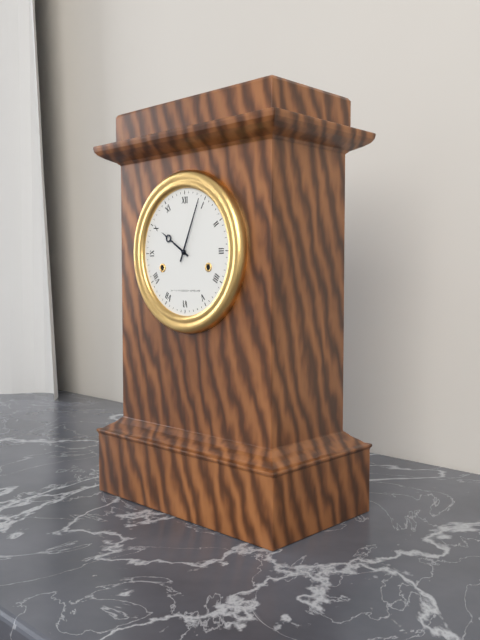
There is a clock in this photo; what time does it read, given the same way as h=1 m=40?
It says h=10 m=4
